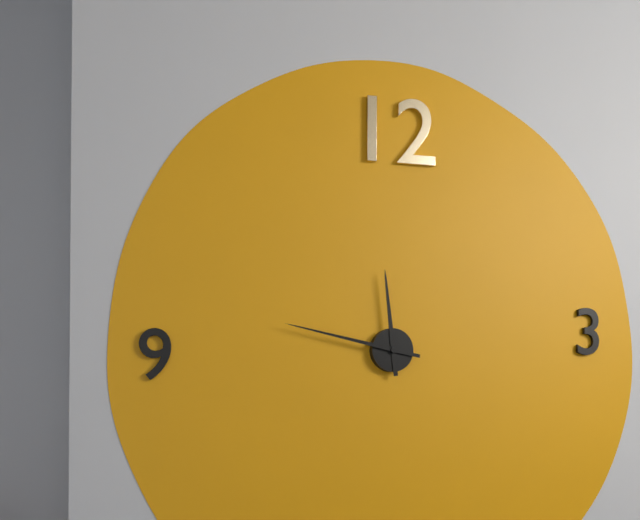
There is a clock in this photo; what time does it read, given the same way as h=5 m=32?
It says h=11 m=47
